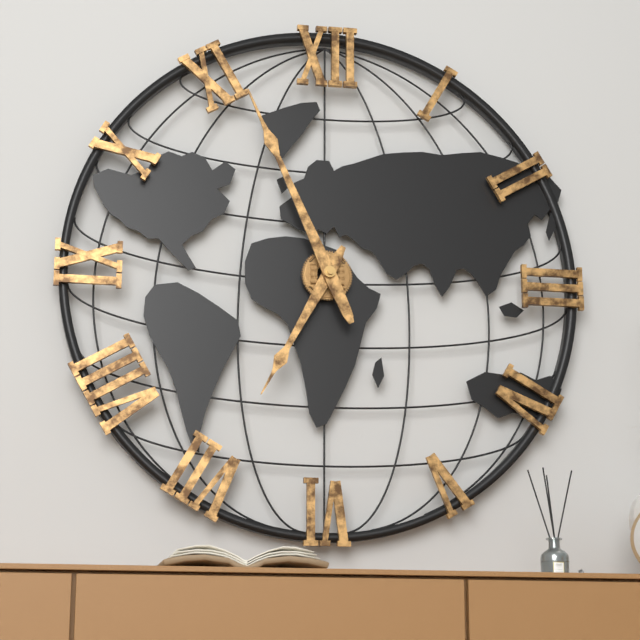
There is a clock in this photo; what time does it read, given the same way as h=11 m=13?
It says h=6 m=56
